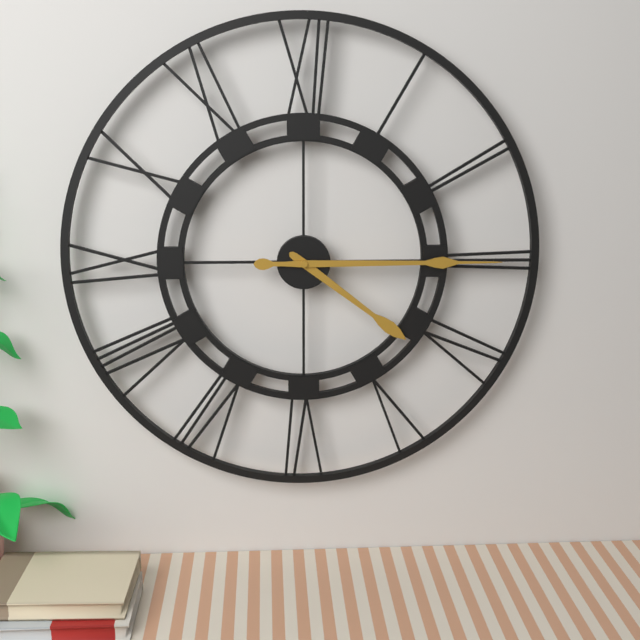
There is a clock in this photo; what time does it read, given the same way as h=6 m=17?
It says h=4 m=15
